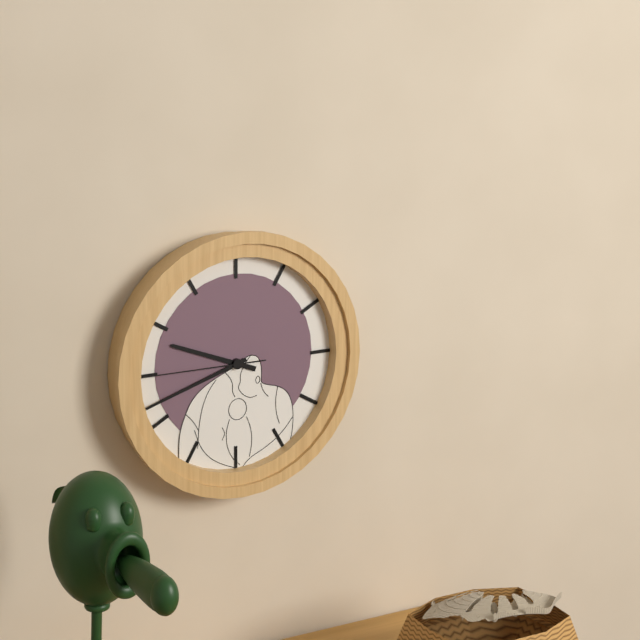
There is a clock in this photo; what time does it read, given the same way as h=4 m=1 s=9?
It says h=9 m=42 s=45
